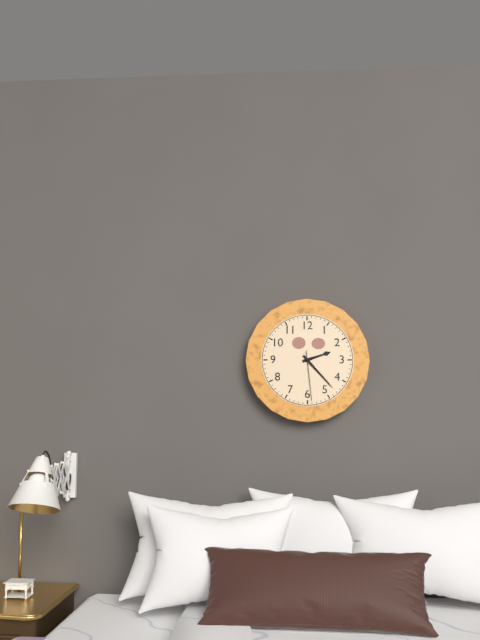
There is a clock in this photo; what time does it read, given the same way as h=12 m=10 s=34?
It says h=2 m=23 s=29
